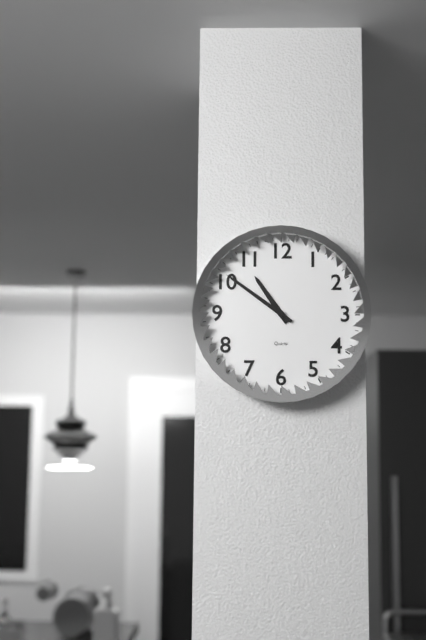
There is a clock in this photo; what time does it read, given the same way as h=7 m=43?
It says h=10 m=51
